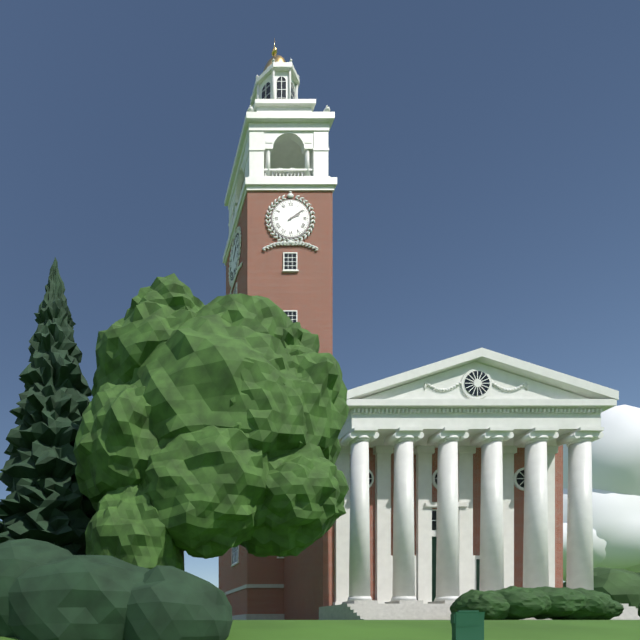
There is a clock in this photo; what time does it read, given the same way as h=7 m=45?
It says h=2 m=9
